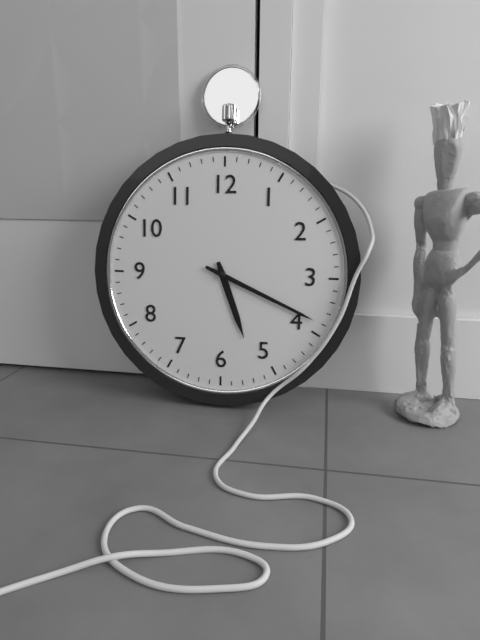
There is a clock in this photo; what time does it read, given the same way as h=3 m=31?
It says h=5 m=19
